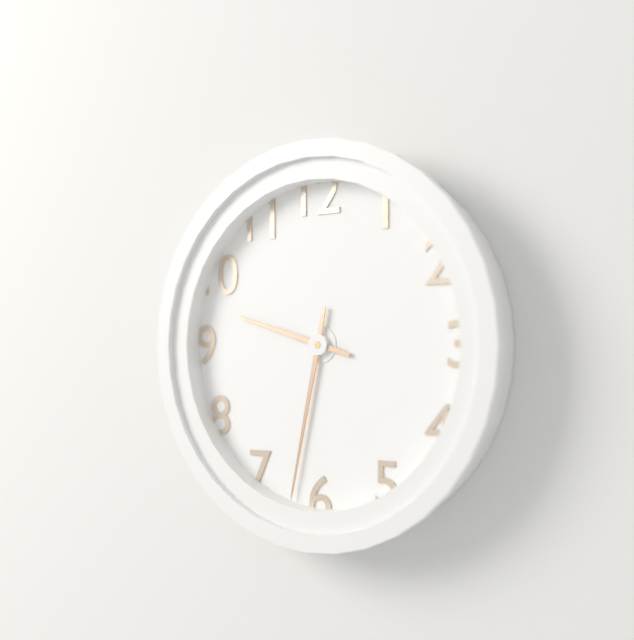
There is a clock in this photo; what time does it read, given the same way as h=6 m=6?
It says h=9 m=32
